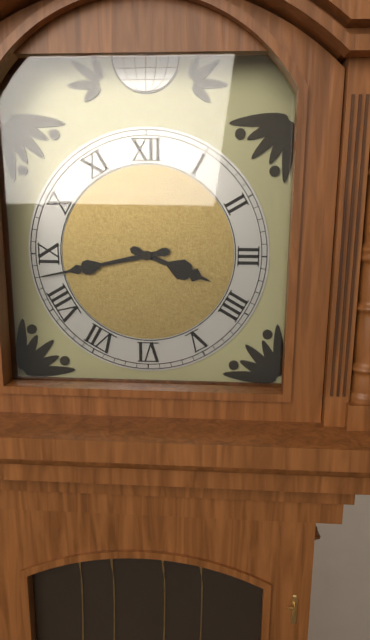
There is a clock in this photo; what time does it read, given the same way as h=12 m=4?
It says h=3 m=43
